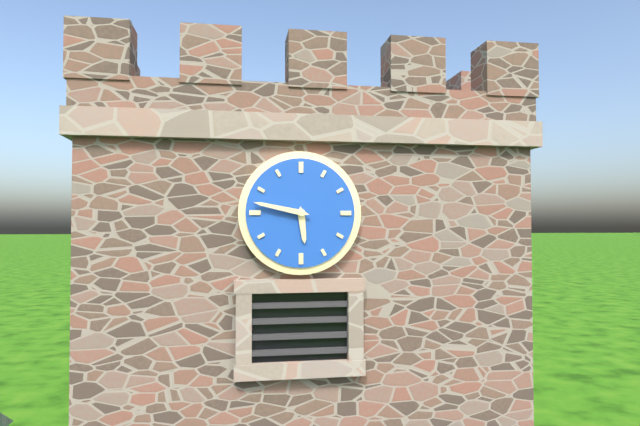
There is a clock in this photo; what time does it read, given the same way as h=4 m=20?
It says h=5 m=47
